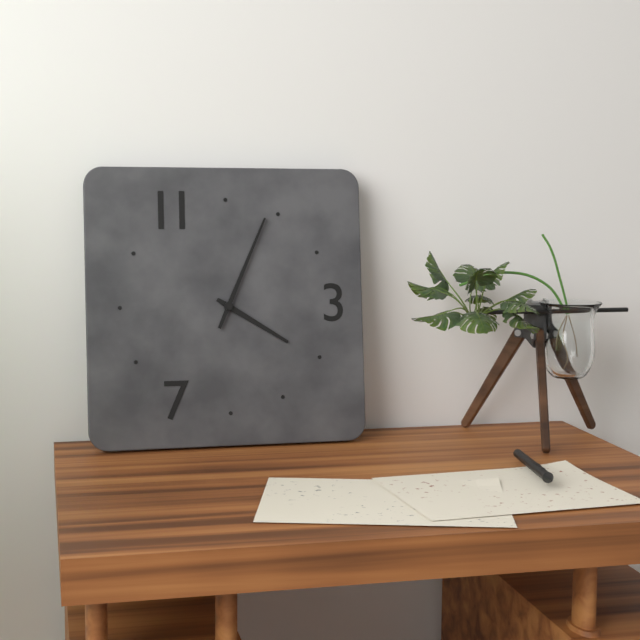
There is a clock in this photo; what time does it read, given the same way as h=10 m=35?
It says h=4 m=4
